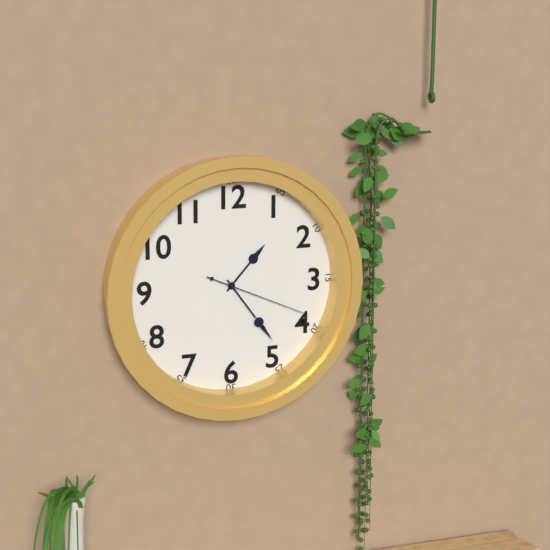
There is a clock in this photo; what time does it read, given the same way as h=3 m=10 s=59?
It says h=1 m=24 s=19
